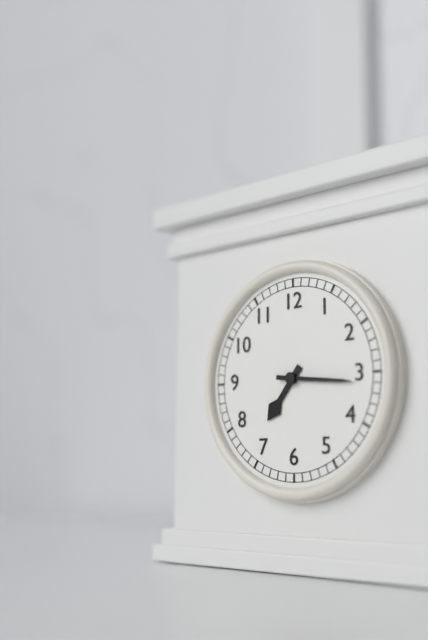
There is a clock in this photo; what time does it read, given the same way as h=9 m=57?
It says h=7 m=16
